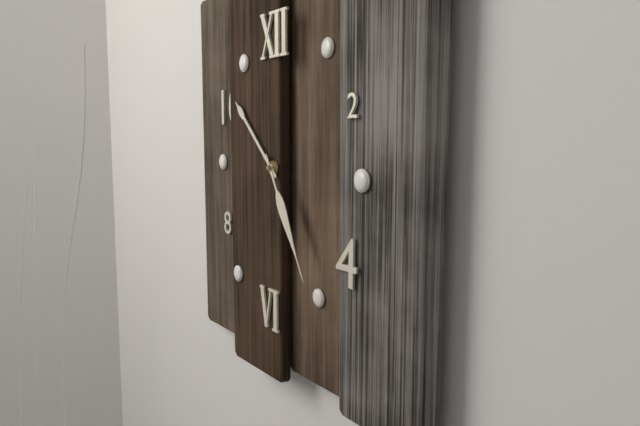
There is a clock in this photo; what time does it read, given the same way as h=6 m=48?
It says h=10 m=25
